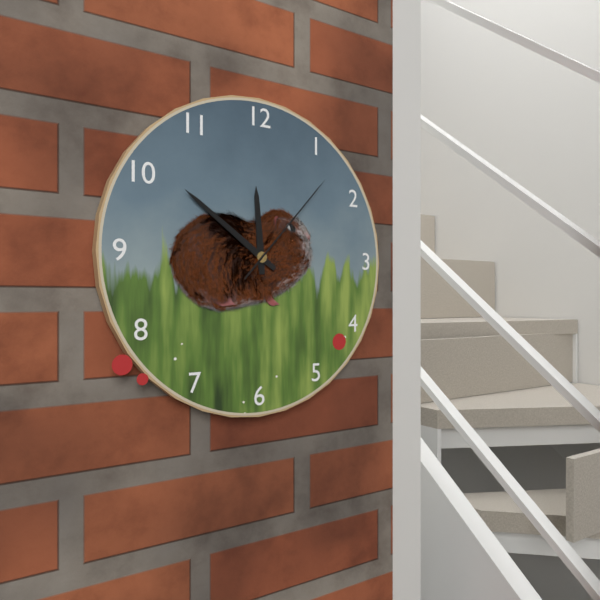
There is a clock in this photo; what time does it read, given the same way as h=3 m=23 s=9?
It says h=11 m=51 s=7
